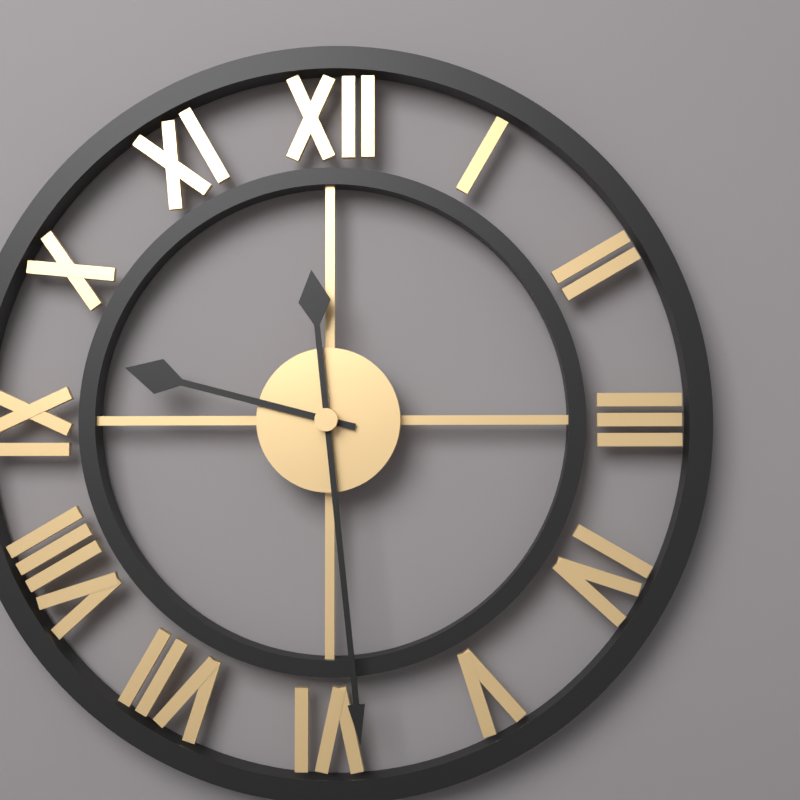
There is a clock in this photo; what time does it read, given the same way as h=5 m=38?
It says h=9 m=29
